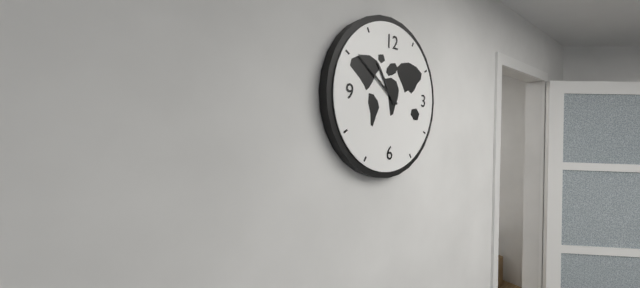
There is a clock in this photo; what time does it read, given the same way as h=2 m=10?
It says h=10 m=51
